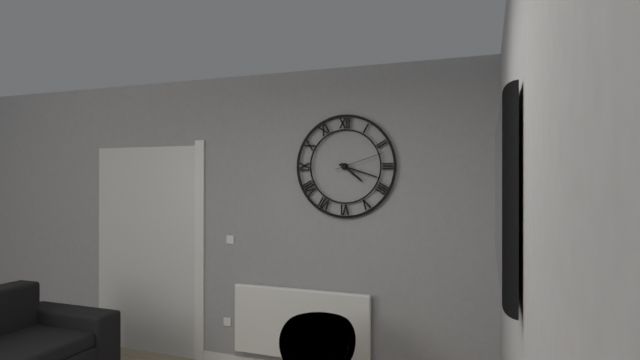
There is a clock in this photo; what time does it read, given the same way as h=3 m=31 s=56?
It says h=4 m=18 s=12
